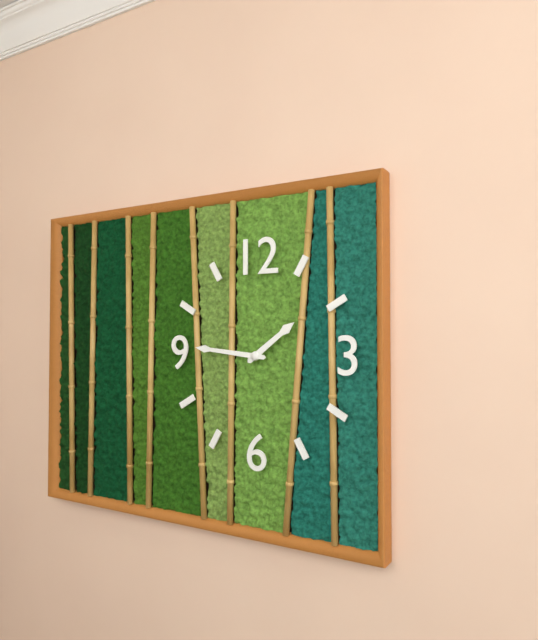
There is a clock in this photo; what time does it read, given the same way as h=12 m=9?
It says h=1 m=46
